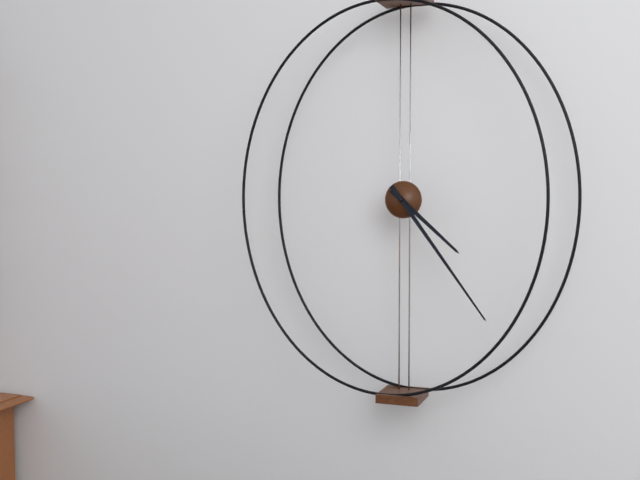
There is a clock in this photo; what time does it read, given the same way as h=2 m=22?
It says h=4 m=24
